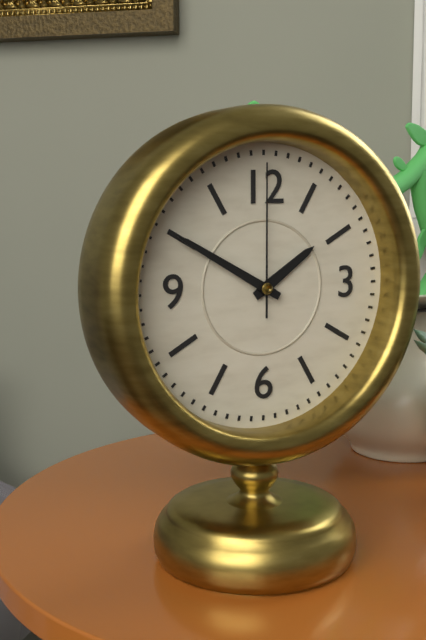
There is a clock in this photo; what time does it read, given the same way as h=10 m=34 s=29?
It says h=1 m=50 s=0
